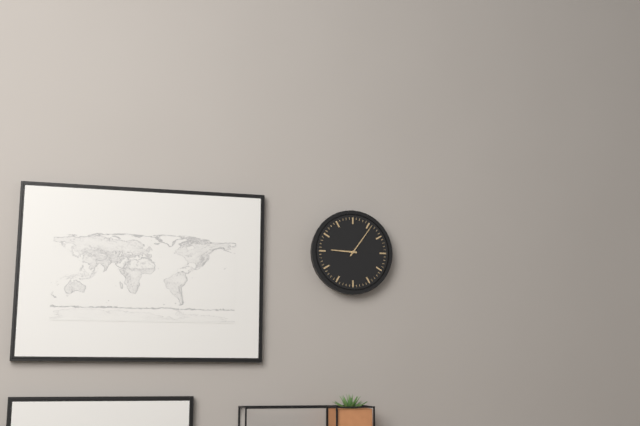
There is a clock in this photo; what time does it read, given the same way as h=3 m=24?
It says h=9 m=6
